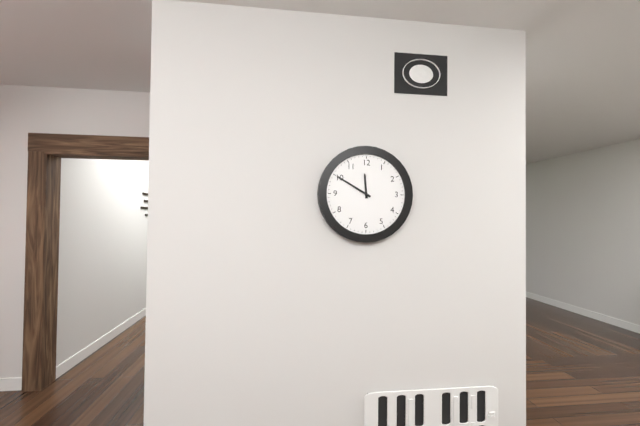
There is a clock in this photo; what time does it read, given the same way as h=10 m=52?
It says h=11 m=50
